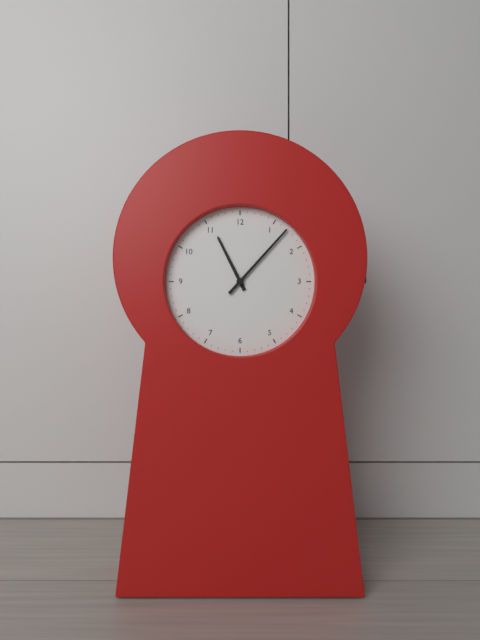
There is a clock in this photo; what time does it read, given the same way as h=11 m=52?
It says h=11 m=7
